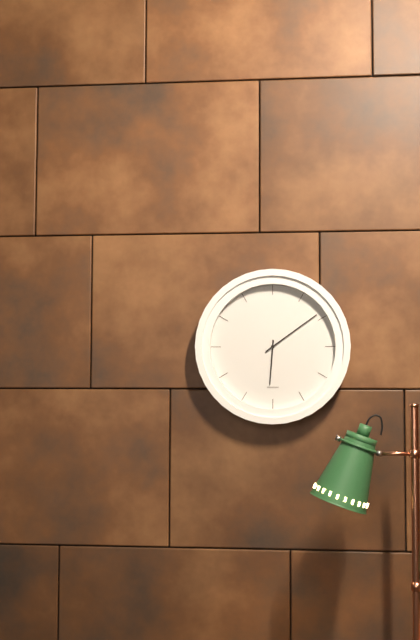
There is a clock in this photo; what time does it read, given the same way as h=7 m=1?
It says h=6 m=9
